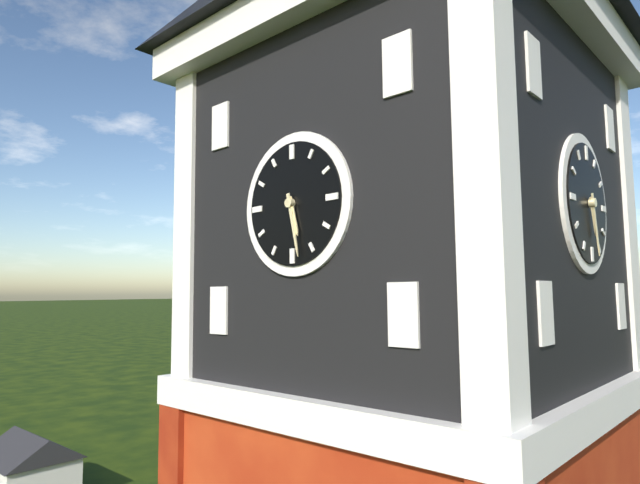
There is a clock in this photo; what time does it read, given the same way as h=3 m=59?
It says h=5 m=28
